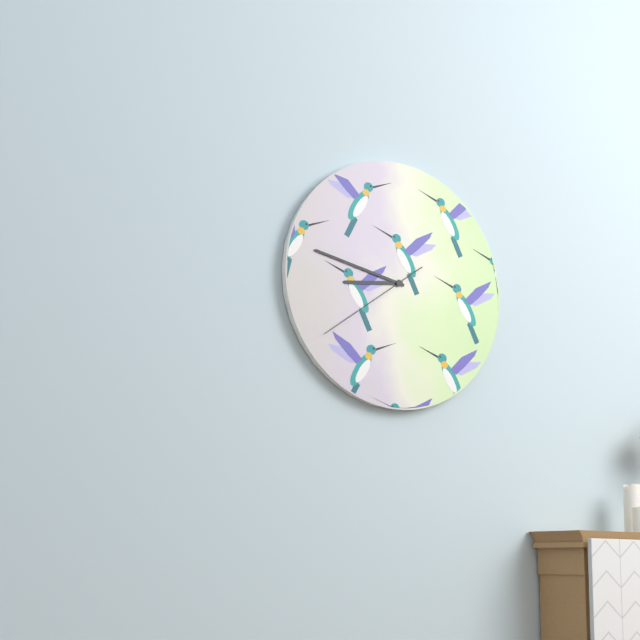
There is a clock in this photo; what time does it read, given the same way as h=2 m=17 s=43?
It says h=8 m=47 s=39
